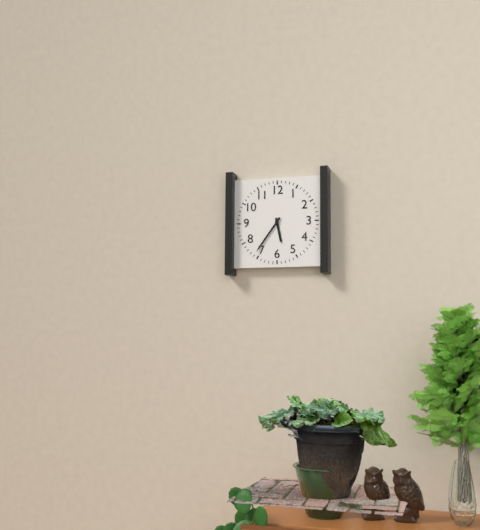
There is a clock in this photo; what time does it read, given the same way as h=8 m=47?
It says h=5 m=36
